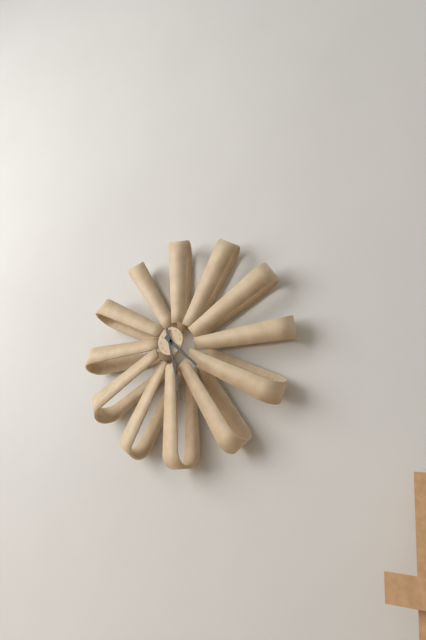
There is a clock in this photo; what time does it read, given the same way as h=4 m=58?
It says h=4 m=28
